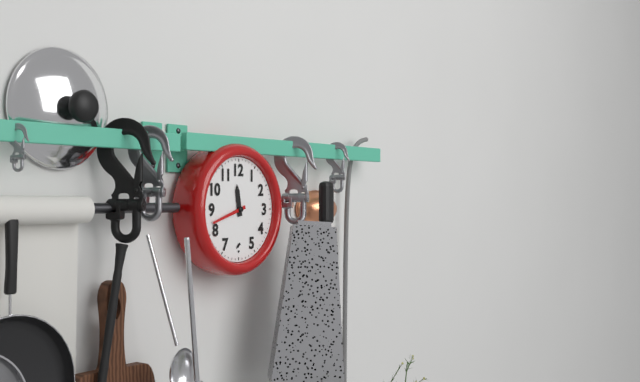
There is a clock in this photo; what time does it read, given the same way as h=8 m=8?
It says h=11 m=42
